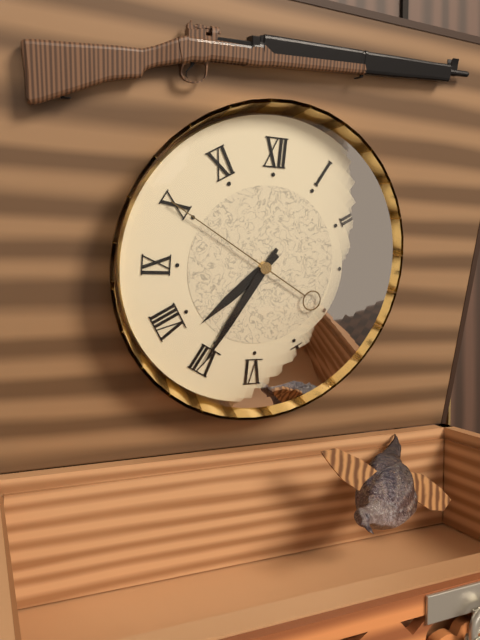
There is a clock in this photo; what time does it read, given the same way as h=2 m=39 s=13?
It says h=7 m=35 s=50
